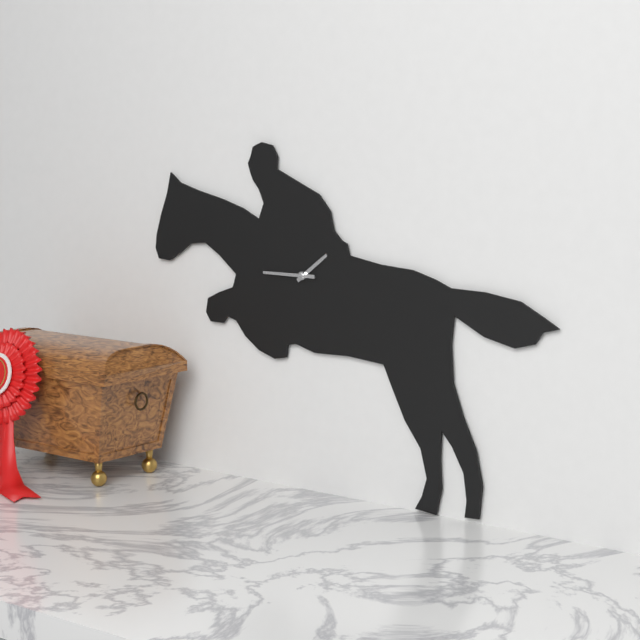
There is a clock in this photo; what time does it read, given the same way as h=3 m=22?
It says h=1 m=45
